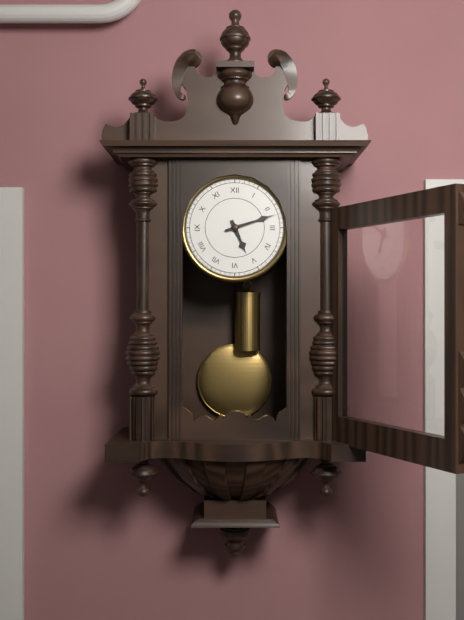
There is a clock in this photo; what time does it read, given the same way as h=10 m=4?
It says h=5 m=12
